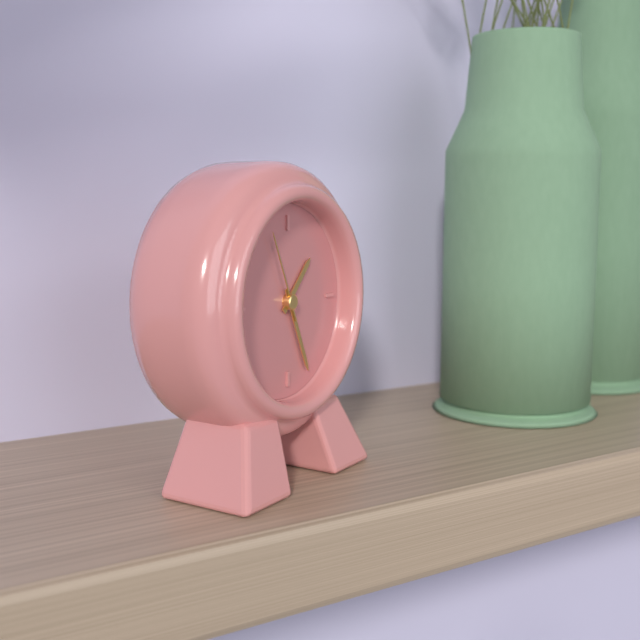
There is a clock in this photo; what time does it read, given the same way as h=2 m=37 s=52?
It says h=1 m=26 s=56
